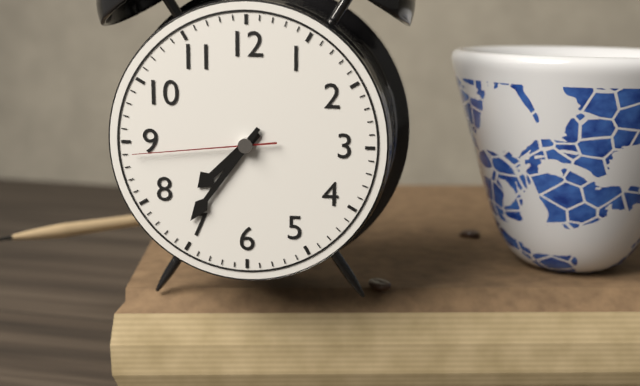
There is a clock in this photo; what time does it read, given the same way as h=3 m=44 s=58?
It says h=7 m=36 s=44
